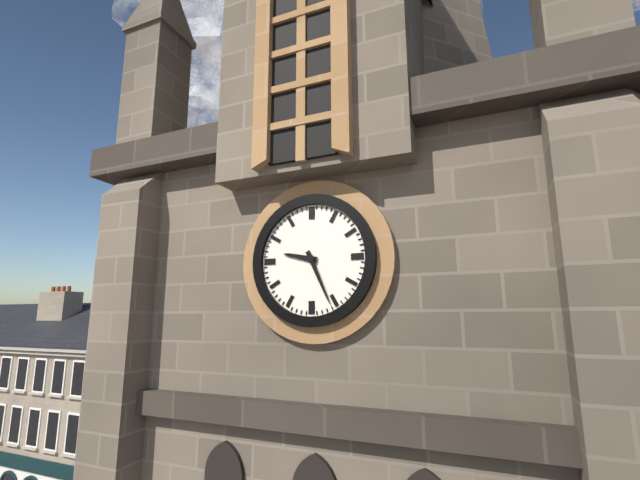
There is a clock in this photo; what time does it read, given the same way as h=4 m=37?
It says h=9 m=26
